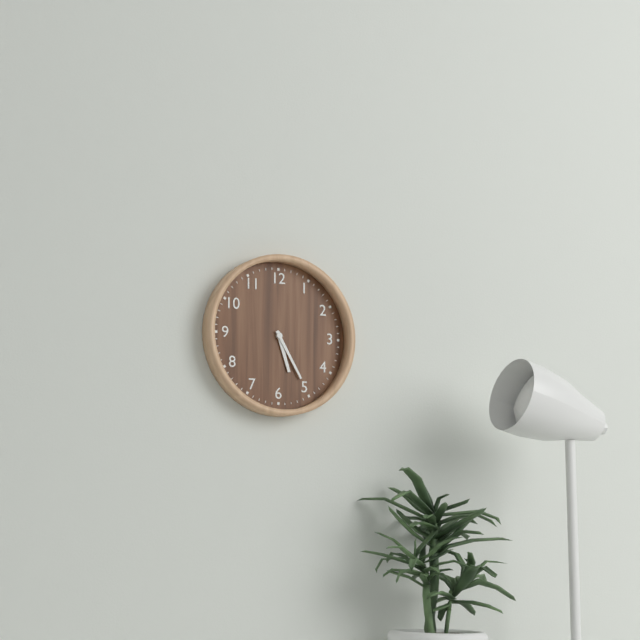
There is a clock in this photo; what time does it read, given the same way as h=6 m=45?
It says h=5 m=25
